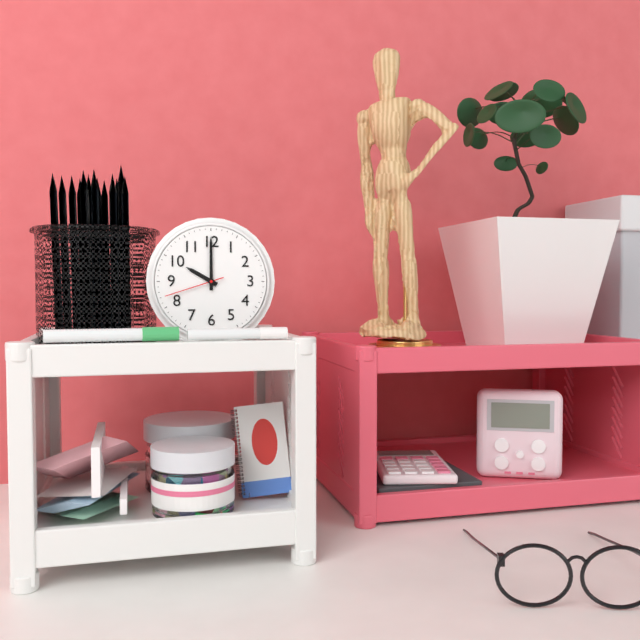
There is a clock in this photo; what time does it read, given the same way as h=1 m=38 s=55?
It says h=10 m=0 s=42
